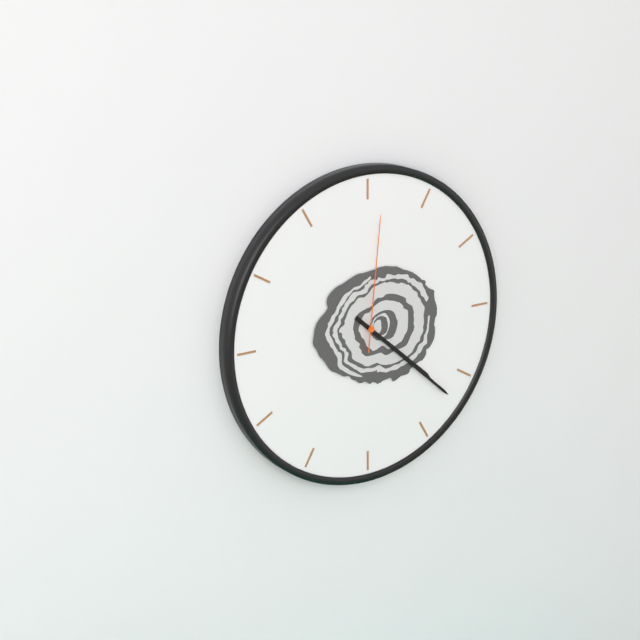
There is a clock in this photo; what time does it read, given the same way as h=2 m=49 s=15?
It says h=4 m=22 s=1
